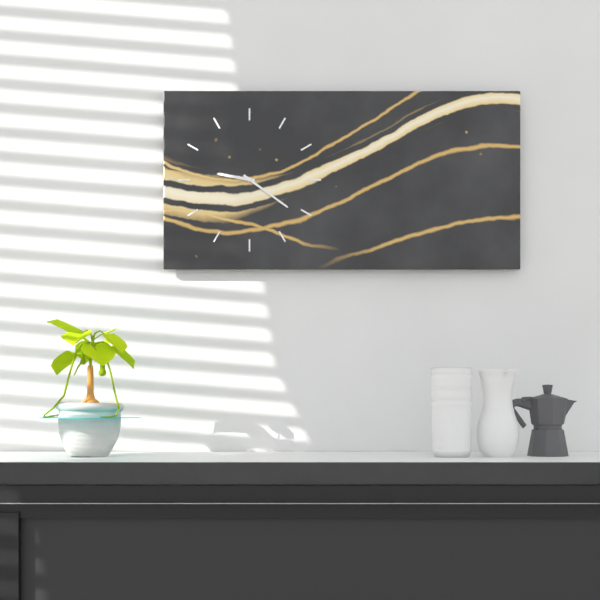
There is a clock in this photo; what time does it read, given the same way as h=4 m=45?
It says h=9 m=21
